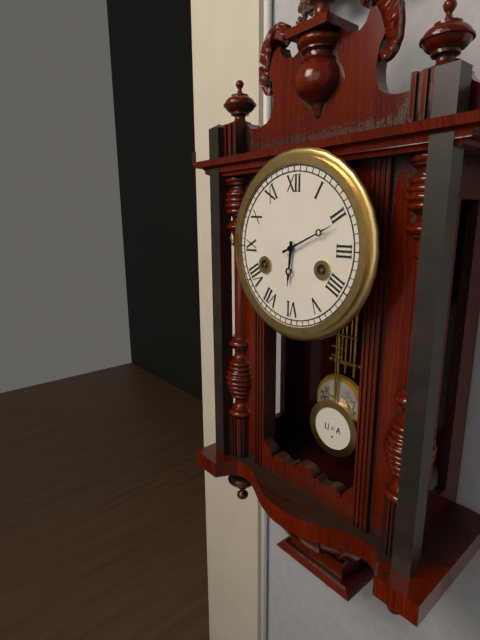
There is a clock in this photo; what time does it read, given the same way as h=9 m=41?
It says h=6 m=11
